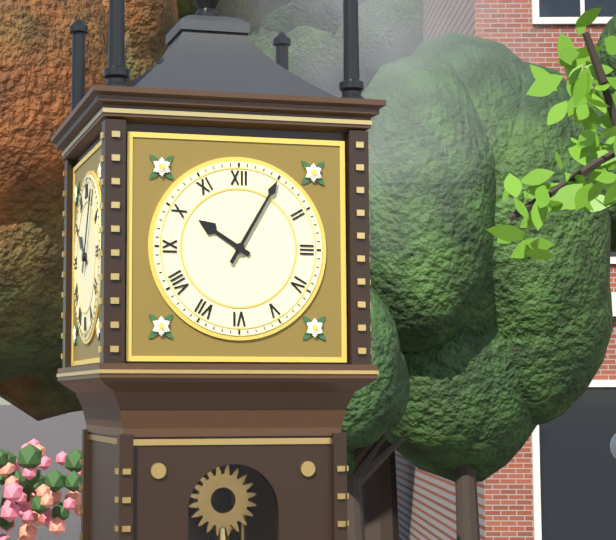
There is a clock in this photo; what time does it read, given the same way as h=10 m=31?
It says h=10 m=5
